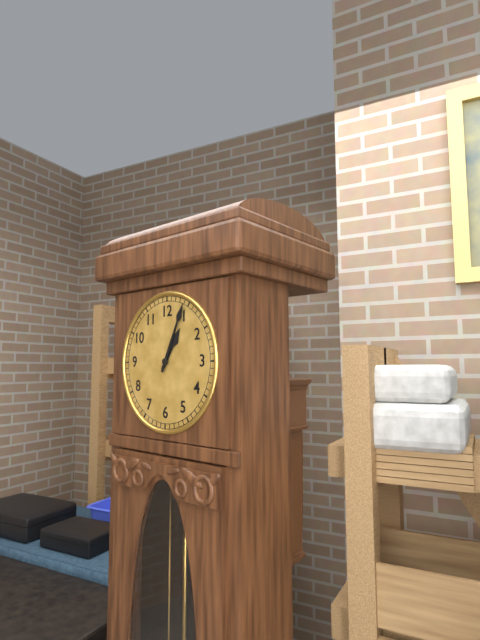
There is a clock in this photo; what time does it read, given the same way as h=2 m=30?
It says h=1 m=4
